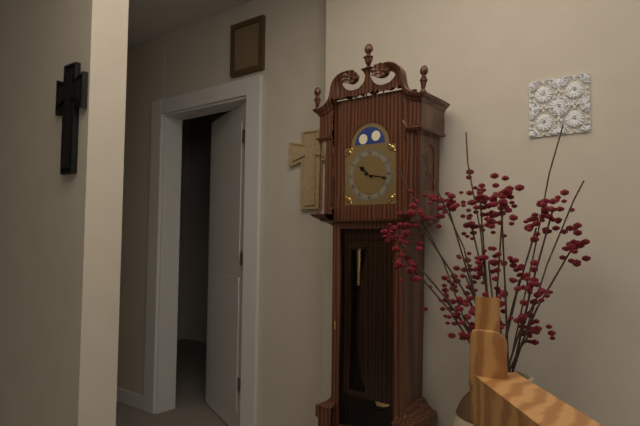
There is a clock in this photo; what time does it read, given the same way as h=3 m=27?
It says h=10 m=17
